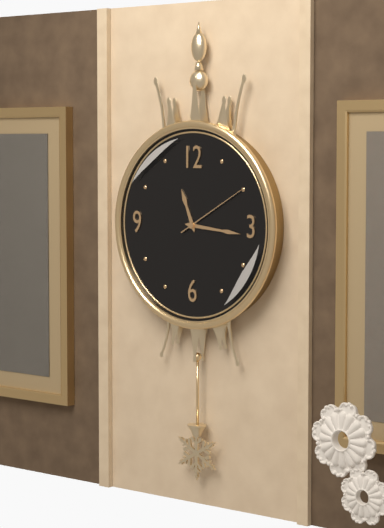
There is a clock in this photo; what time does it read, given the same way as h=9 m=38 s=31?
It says h=11 m=16 s=10
